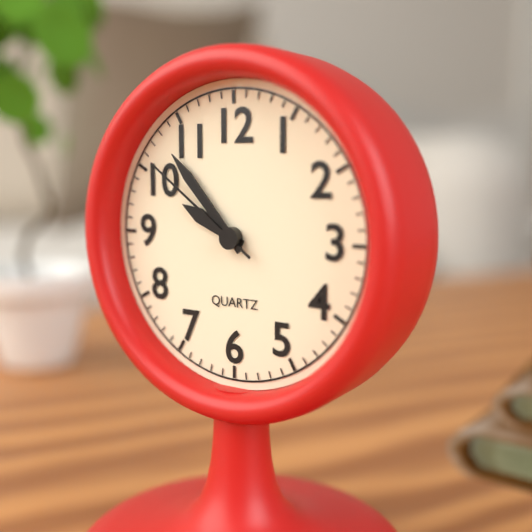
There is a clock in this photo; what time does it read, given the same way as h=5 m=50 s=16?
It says h=9 m=53 s=51
